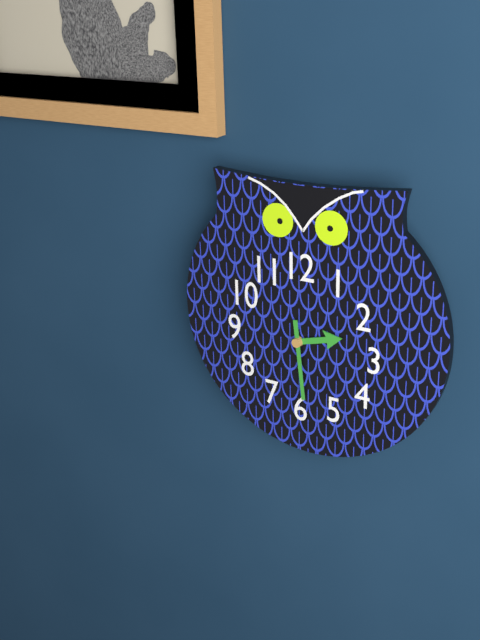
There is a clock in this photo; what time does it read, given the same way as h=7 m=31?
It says h=2 m=29
